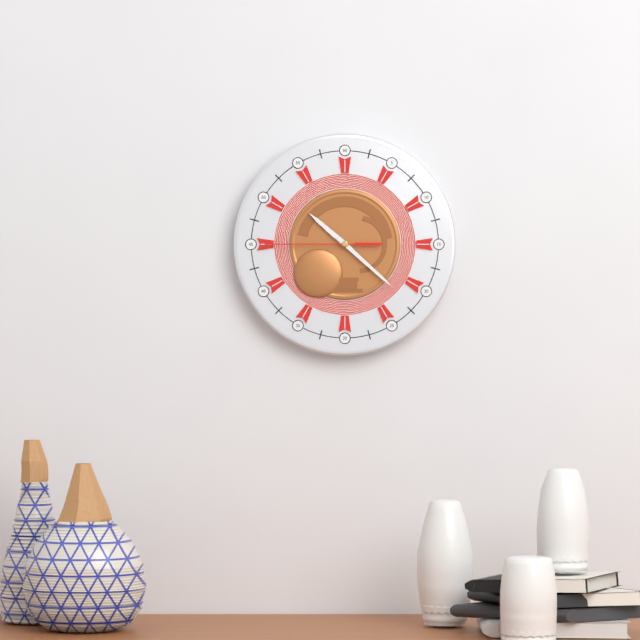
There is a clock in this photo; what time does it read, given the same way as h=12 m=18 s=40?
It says h=10 m=22 s=45
